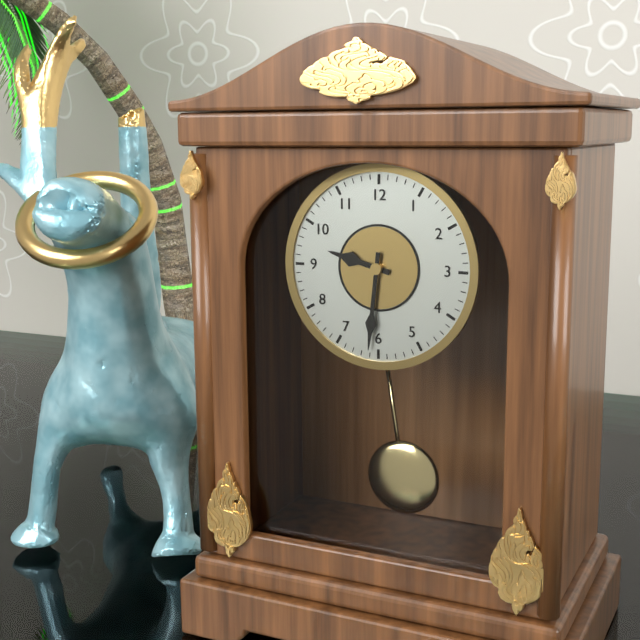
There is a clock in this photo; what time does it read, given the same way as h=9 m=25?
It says h=9 m=31
